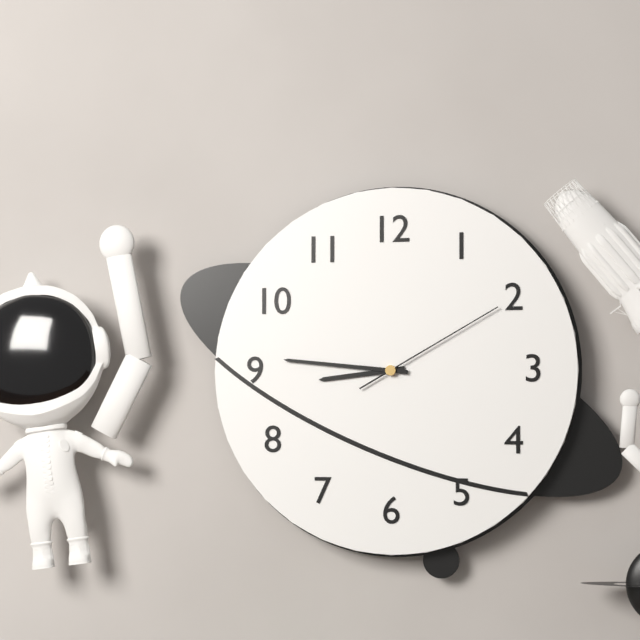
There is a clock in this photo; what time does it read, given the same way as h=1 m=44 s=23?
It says h=8 m=46 s=10
